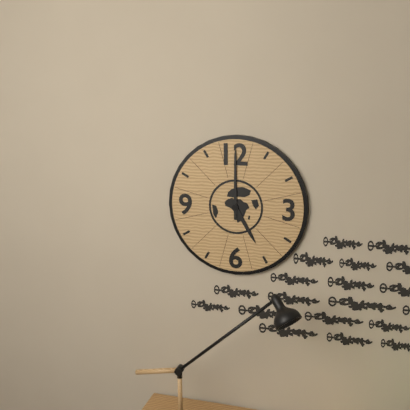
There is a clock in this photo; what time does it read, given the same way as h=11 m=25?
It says h=5 m=0
